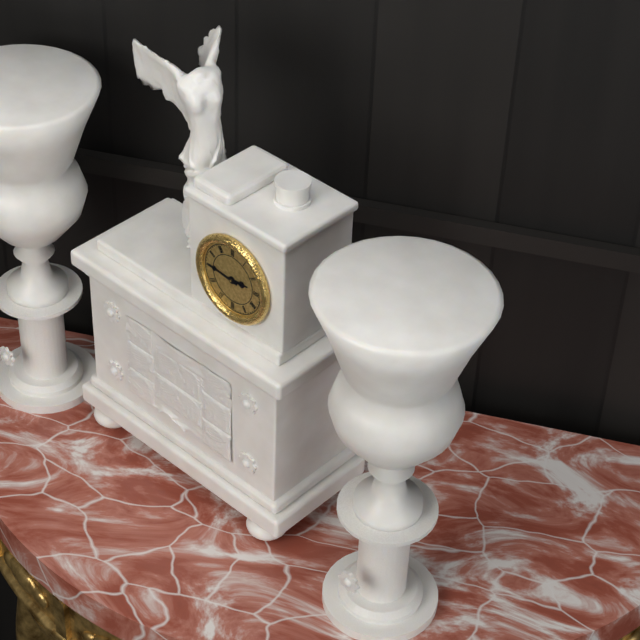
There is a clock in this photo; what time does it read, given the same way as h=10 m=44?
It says h=2 m=46
